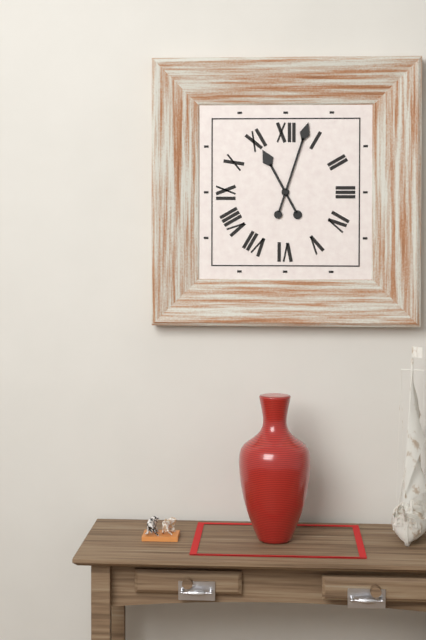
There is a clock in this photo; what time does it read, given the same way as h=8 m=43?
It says h=11 m=3
